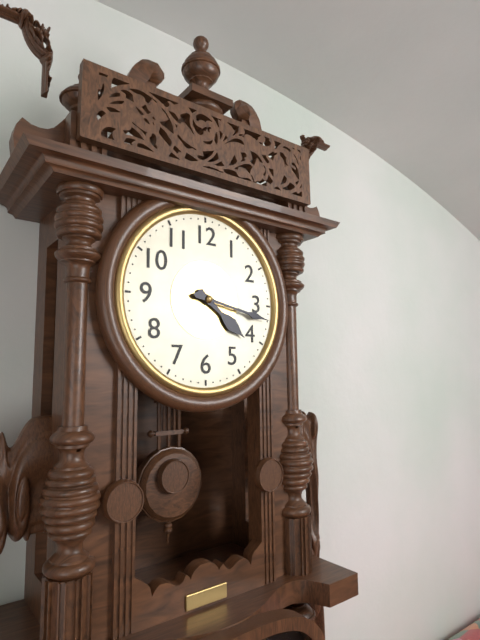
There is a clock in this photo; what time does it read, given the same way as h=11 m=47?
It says h=4 m=17
